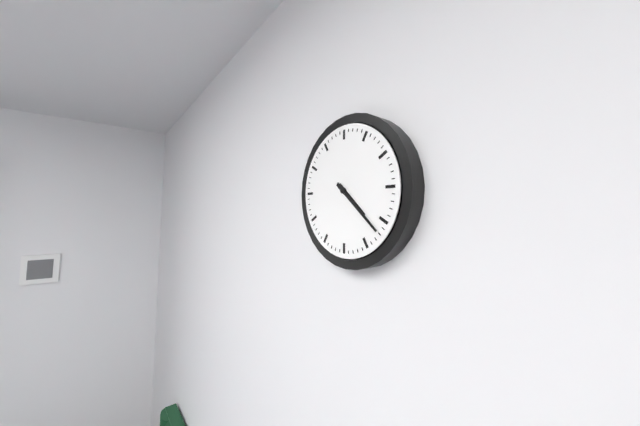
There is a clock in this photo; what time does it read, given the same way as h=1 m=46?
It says h=4 m=22
